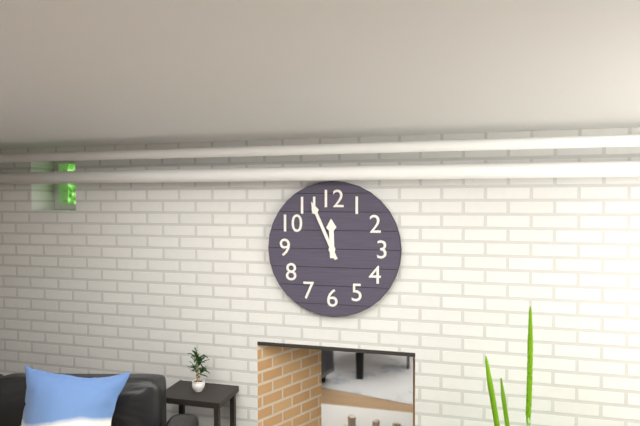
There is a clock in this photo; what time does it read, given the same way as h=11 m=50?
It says h=11 m=56
